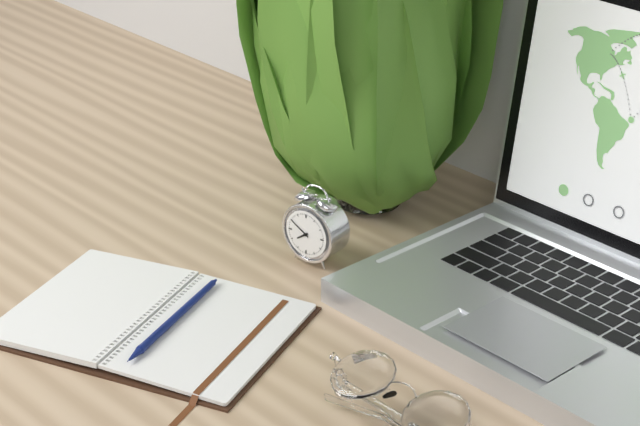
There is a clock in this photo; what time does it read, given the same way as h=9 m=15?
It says h=7 m=50
